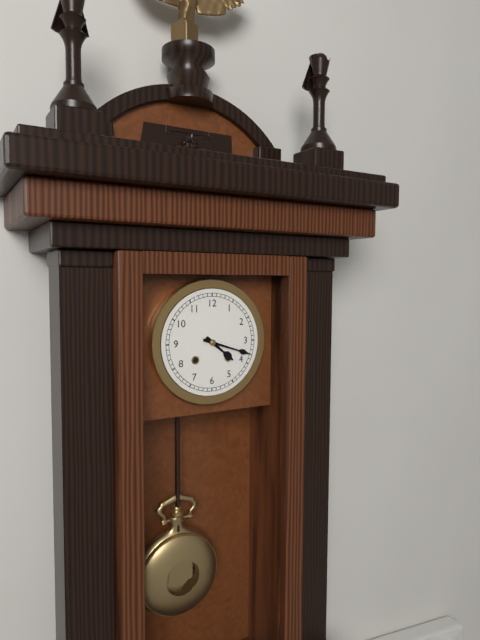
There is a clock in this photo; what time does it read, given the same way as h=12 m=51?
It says h=4 m=18
